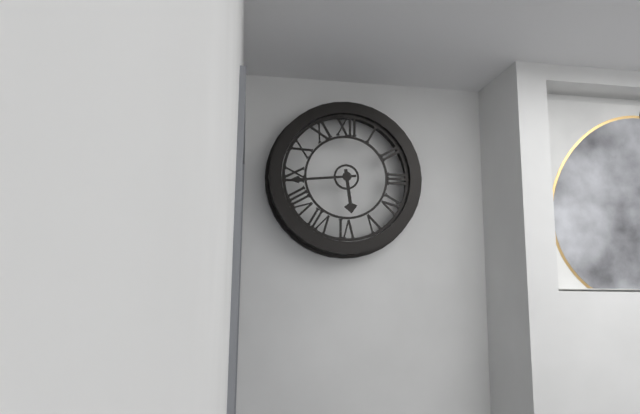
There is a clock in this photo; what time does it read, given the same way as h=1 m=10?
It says h=5 m=44
